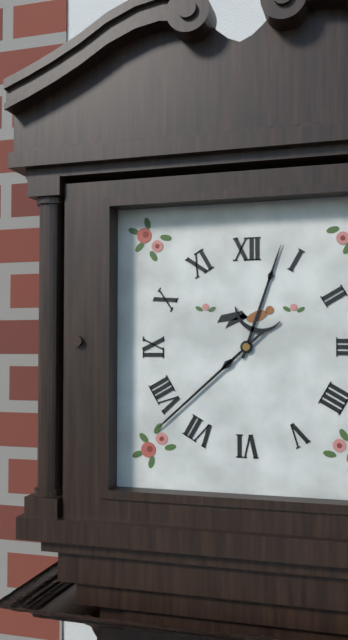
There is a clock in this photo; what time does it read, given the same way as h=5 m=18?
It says h=12 m=38
